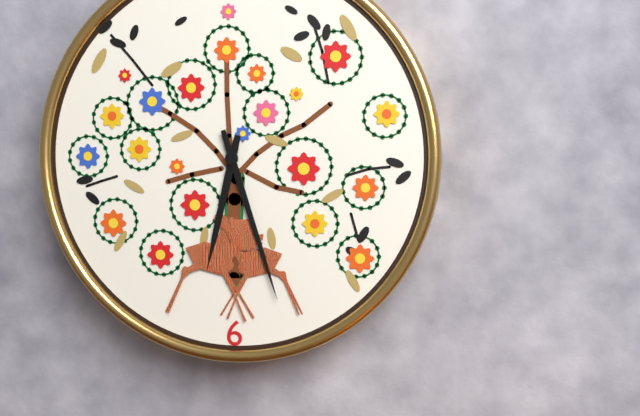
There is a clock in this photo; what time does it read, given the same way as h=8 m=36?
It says h=6 m=27
